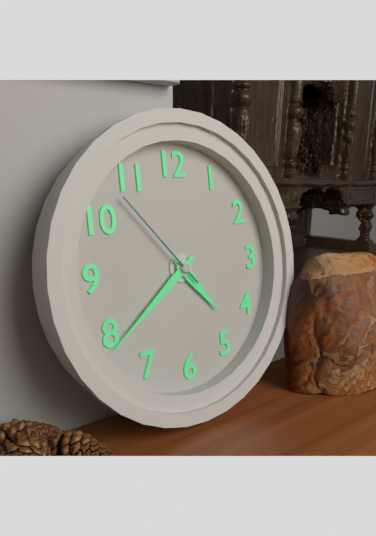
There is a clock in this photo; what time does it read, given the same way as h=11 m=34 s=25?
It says h=4 m=39 s=53
